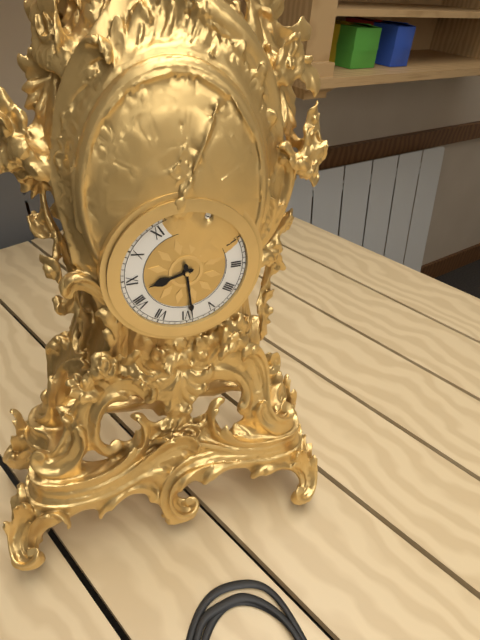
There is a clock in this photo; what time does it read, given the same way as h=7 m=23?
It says h=8 m=29
